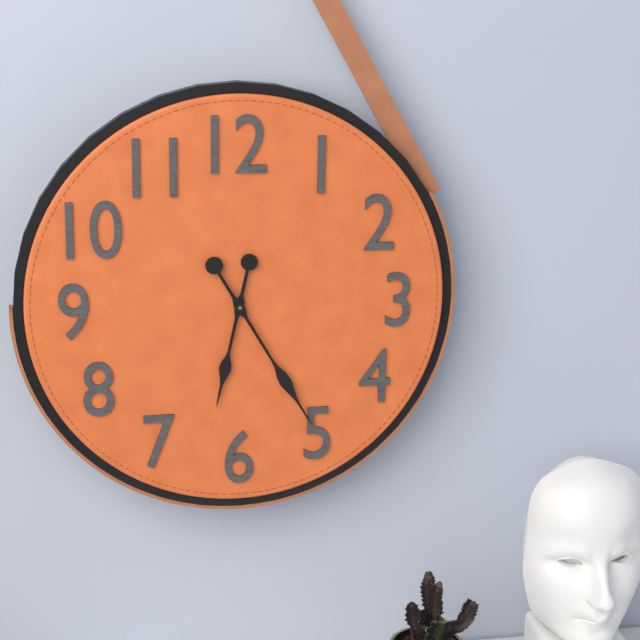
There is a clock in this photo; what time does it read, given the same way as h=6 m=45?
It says h=6 m=25
